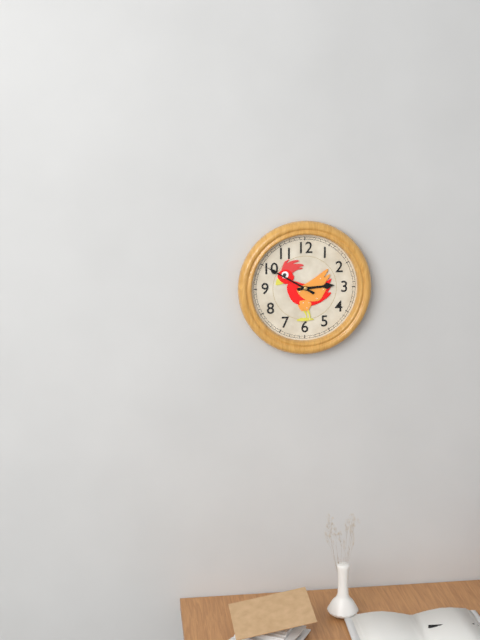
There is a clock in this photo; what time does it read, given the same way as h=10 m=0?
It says h=2 m=50
